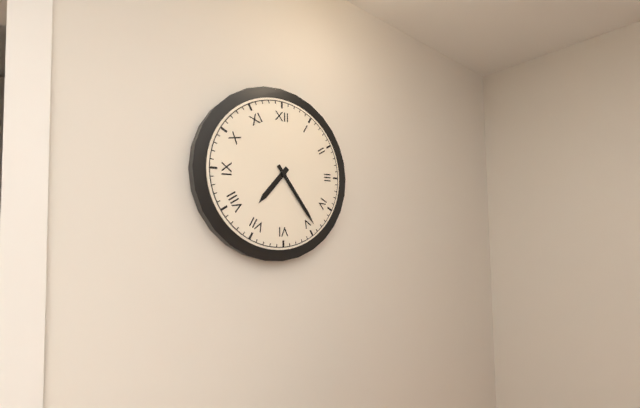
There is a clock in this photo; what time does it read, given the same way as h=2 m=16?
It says h=7 m=24
